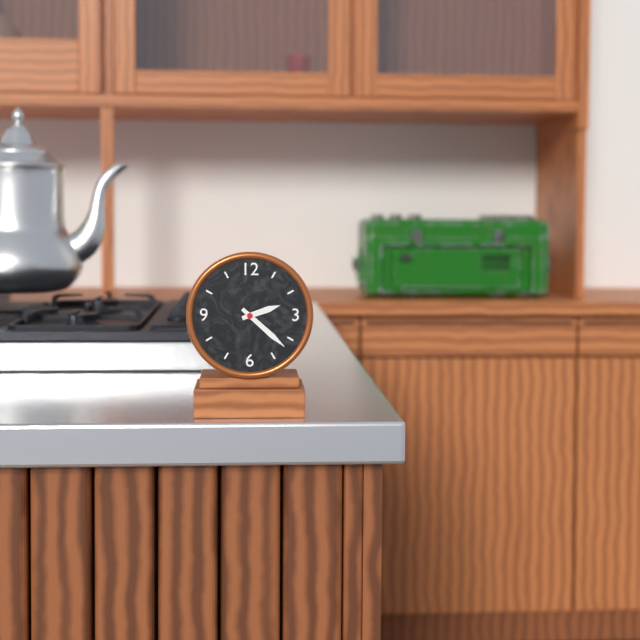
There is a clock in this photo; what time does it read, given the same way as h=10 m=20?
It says h=2 m=22
